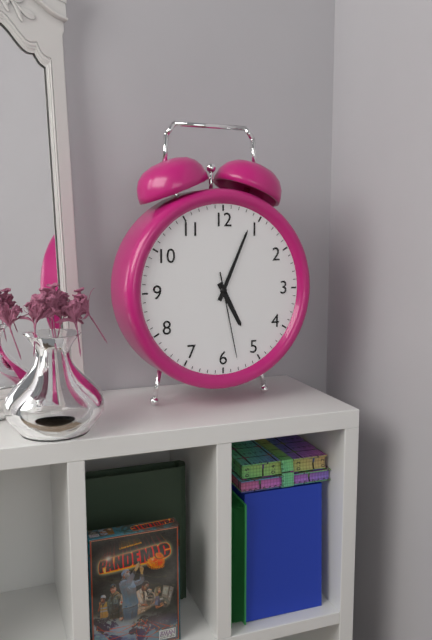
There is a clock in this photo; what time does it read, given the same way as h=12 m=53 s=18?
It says h=5 m=4 s=28
